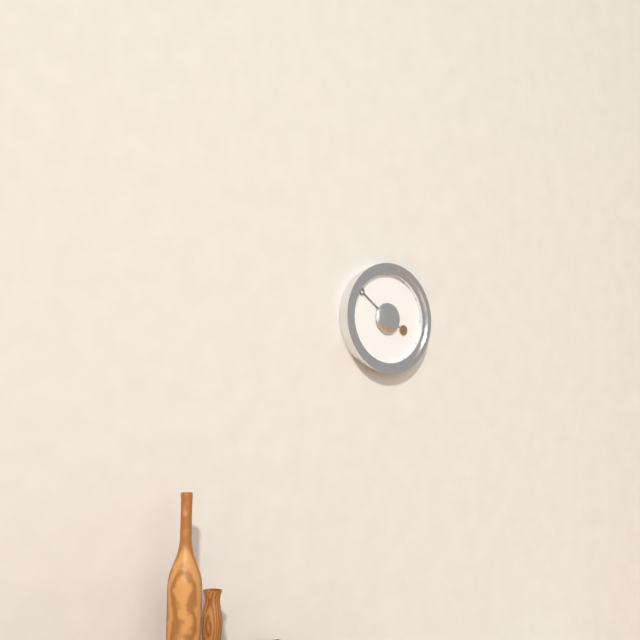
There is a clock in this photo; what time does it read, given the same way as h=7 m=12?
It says h=3 m=51
